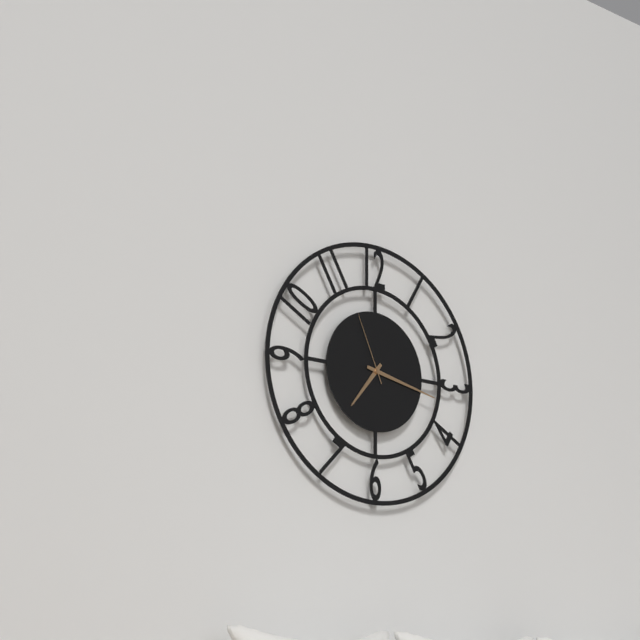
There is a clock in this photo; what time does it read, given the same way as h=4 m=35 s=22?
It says h=7 m=17 s=56
